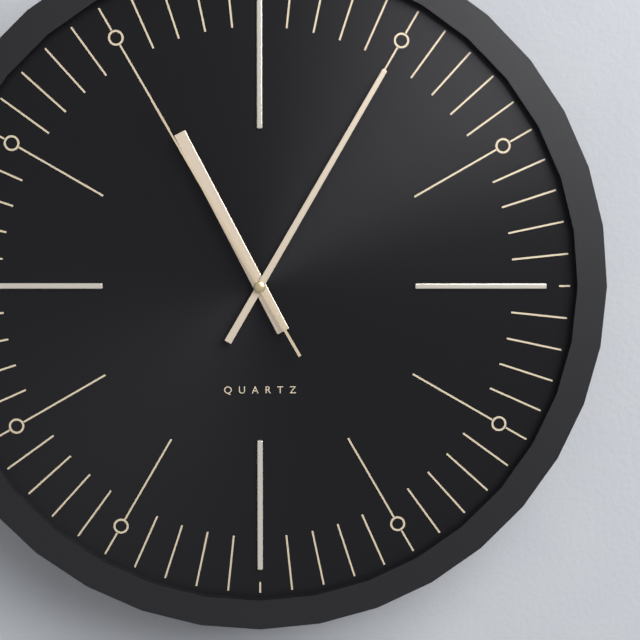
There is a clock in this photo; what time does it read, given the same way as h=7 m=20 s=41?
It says h=11 m=5 s=55
